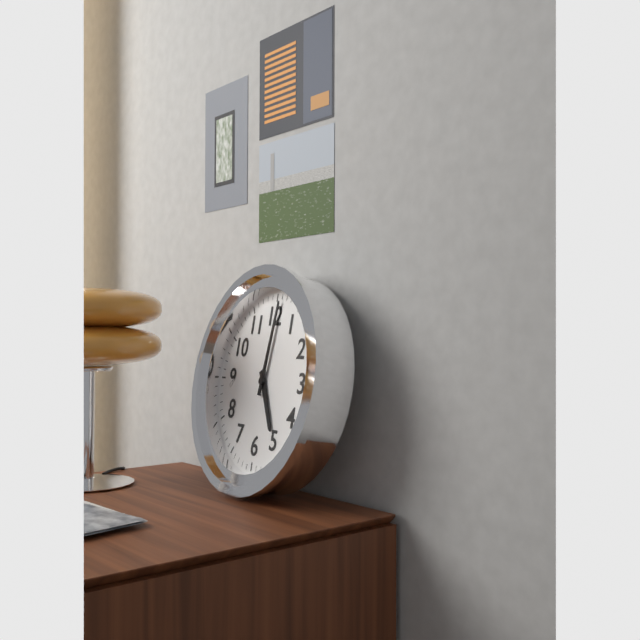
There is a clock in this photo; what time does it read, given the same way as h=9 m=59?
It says h=5 m=1
